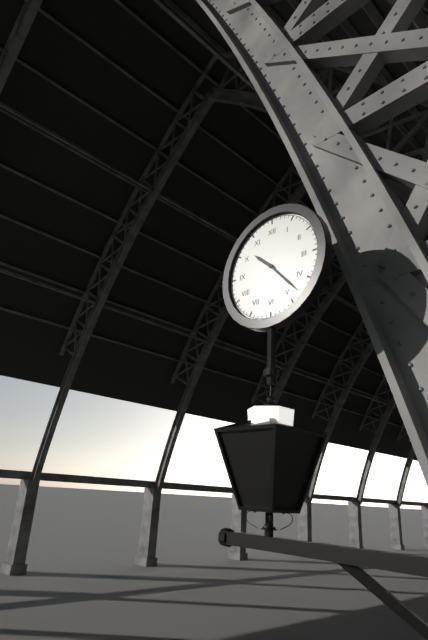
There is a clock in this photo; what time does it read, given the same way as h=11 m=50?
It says h=10 m=23
